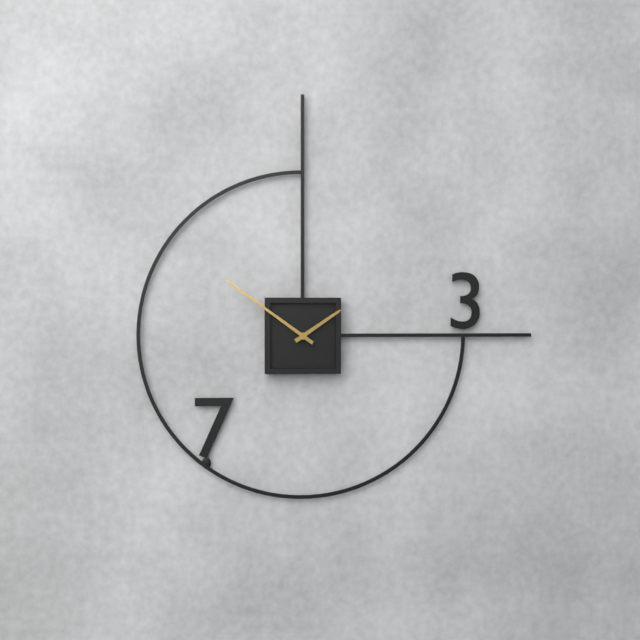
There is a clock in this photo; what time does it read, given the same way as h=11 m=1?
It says h=1 m=51
